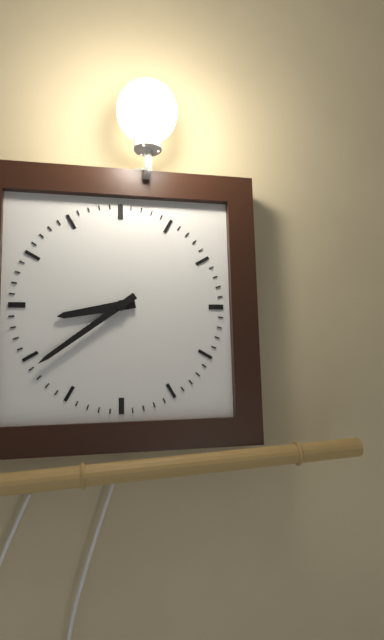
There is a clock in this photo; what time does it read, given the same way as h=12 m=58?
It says h=8 m=39
